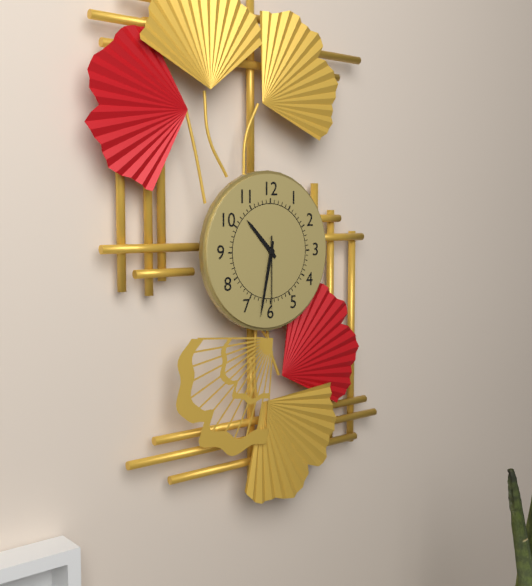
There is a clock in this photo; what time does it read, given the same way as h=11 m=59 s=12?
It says h=10 m=32 s=30
